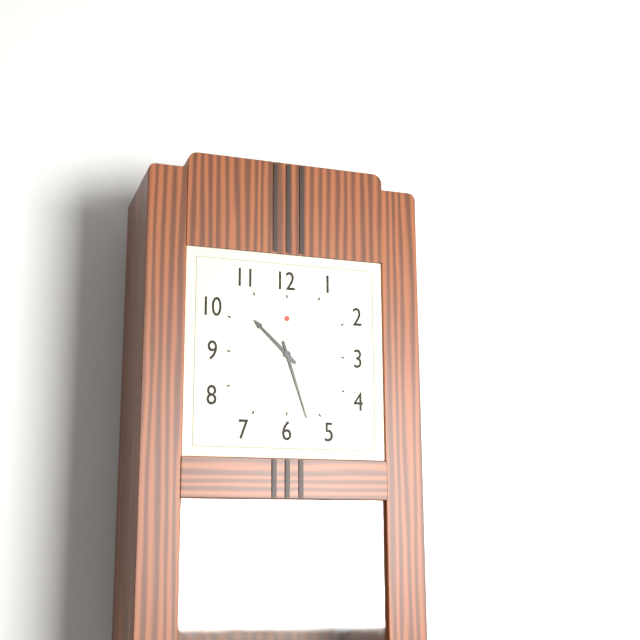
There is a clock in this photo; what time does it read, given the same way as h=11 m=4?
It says h=10 m=27
